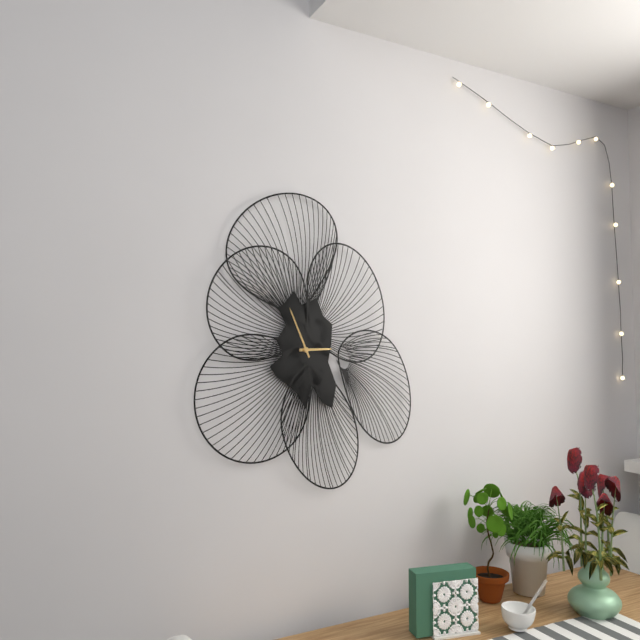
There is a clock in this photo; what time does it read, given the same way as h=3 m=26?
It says h=2 m=56
